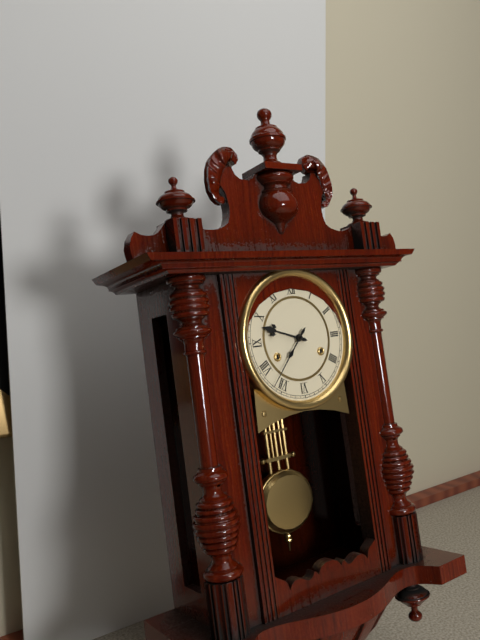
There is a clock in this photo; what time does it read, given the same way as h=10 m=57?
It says h=9 m=37
